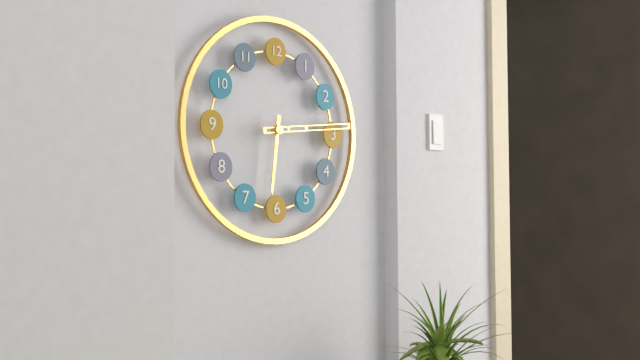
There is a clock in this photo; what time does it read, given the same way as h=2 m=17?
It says h=6 m=14
